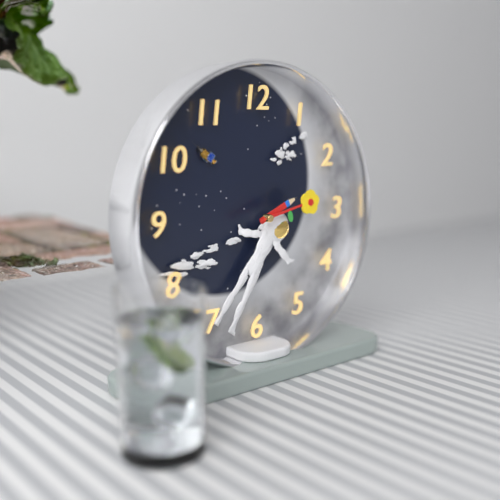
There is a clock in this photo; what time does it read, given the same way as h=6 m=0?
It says h=2 m=13
